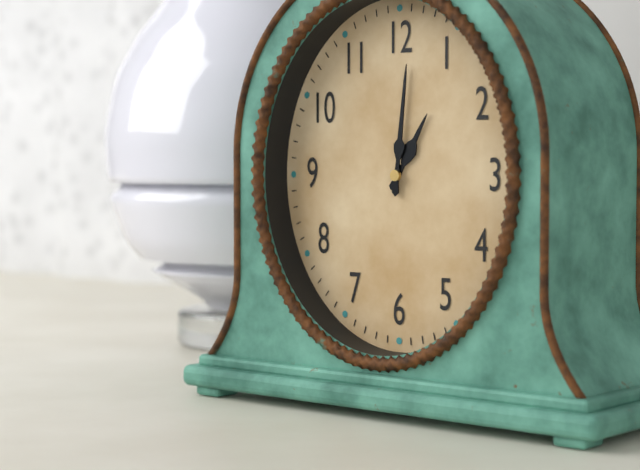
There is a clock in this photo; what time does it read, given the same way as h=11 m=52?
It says h=1 m=1
